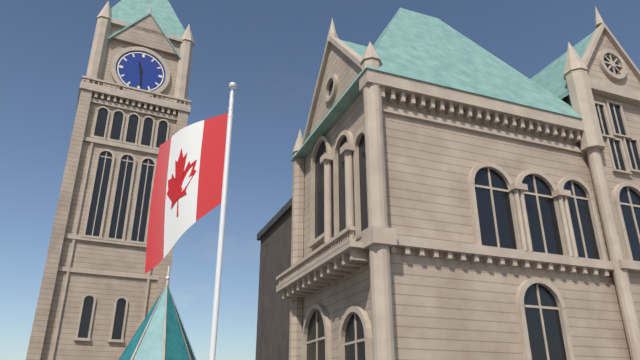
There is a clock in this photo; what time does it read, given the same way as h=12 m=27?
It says h=11 m=29
